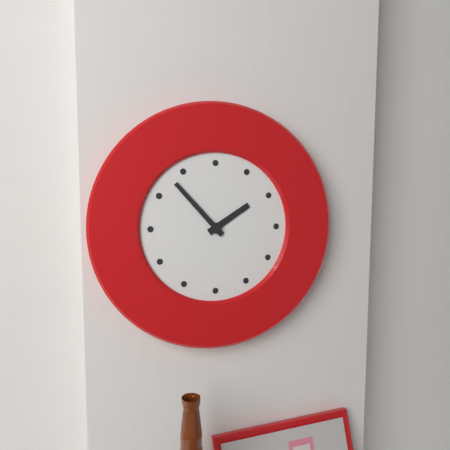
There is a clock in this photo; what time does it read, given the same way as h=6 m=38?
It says h=1 m=53
